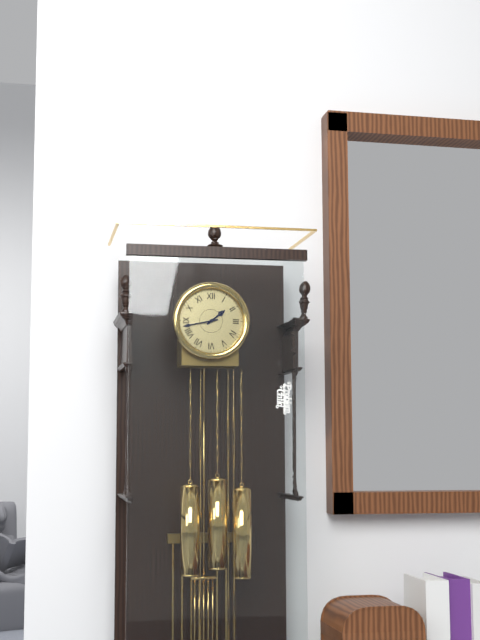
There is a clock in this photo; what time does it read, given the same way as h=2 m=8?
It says h=1 m=43
